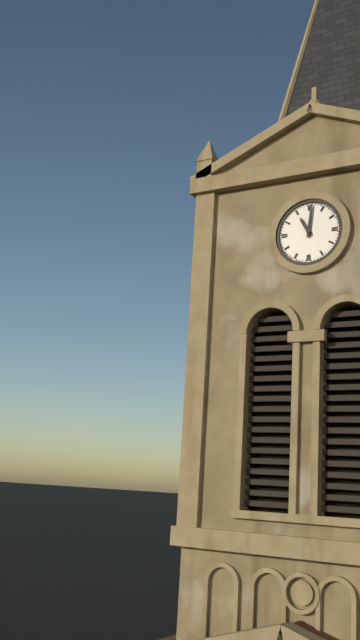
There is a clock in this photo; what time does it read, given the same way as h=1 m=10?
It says h=11 m=1
